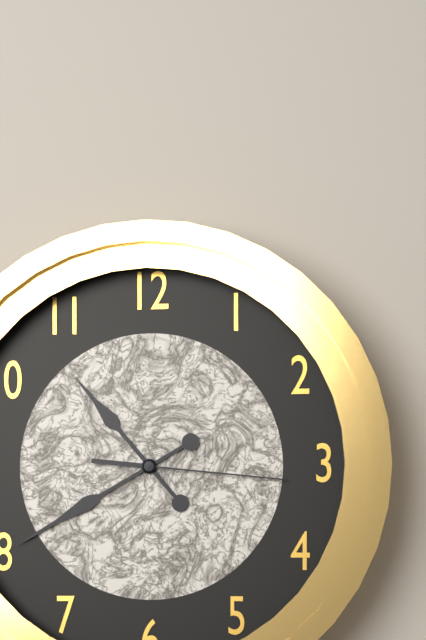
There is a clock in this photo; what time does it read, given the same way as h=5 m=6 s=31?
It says h=10 m=40 s=16
